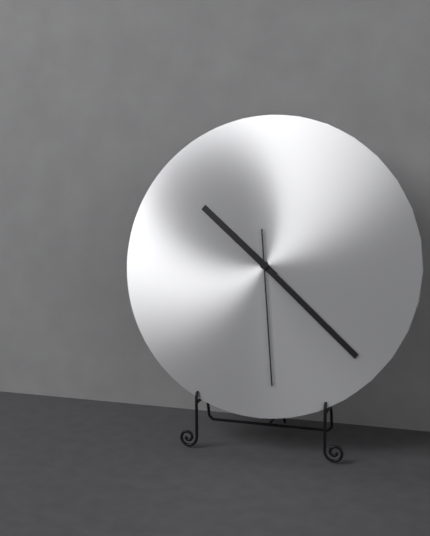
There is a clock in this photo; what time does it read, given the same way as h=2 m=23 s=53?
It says h=10 m=22 s=29
